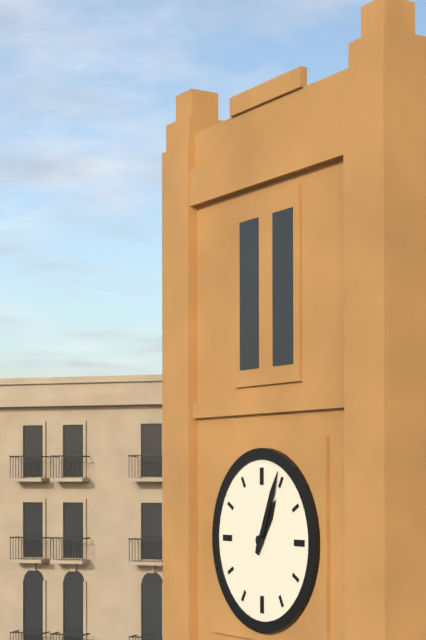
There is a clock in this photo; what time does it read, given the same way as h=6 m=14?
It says h=1 m=4
